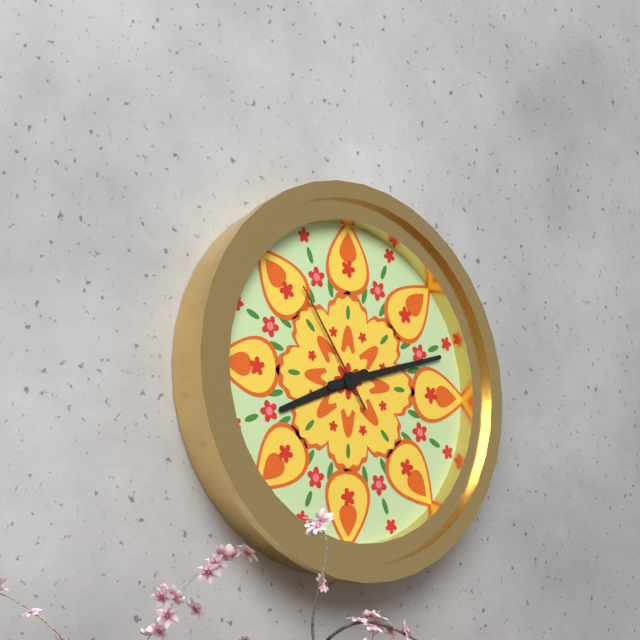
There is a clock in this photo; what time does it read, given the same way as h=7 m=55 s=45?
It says h=8 m=12 s=54
